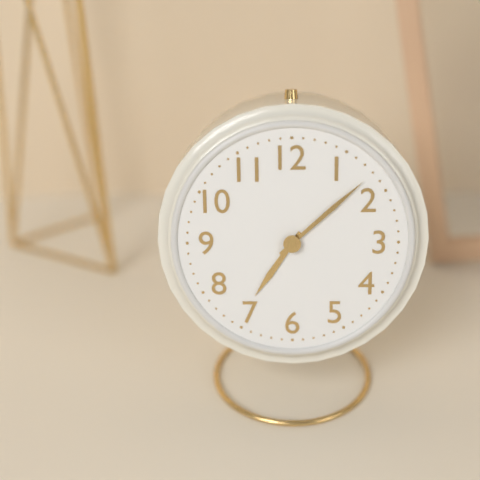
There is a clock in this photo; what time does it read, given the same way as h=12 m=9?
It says h=7 m=8
